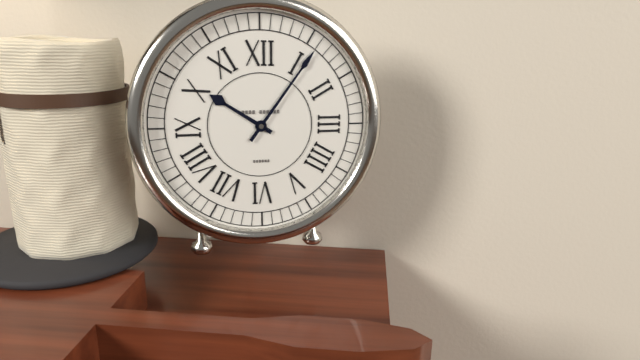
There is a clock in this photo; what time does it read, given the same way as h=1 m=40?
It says h=10 m=6
